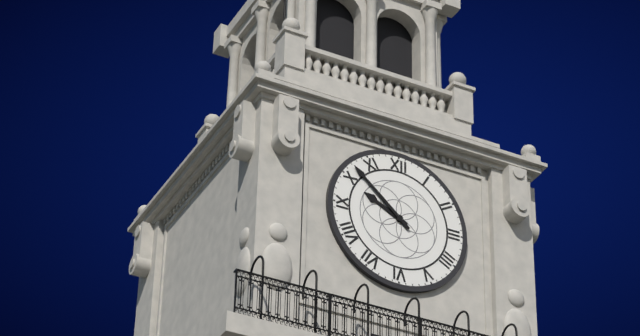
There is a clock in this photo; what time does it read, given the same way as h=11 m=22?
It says h=9 m=52
